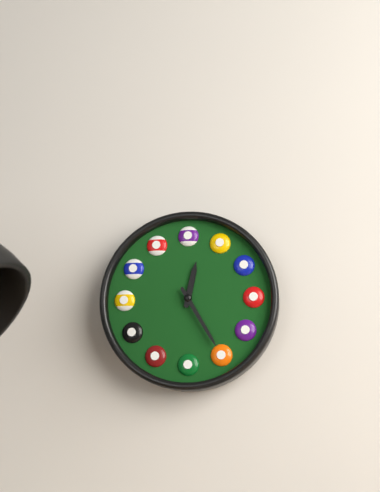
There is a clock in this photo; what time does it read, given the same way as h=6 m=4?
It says h=12 m=25
